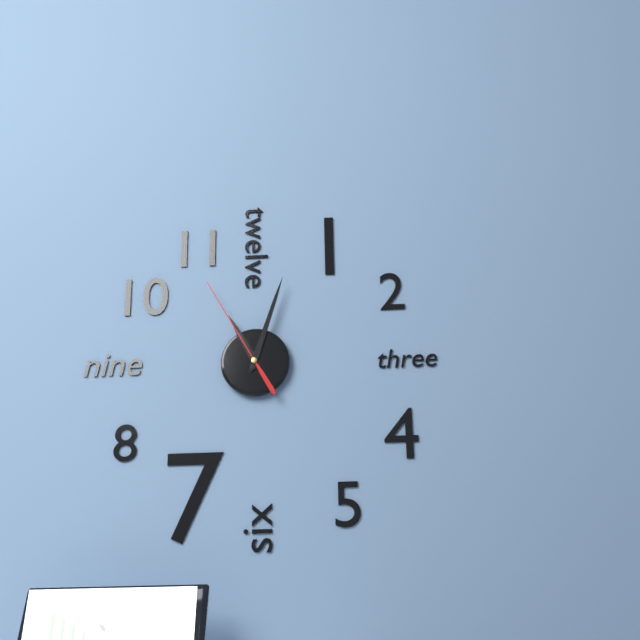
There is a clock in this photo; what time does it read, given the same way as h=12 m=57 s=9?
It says h=11 m=3 s=55
